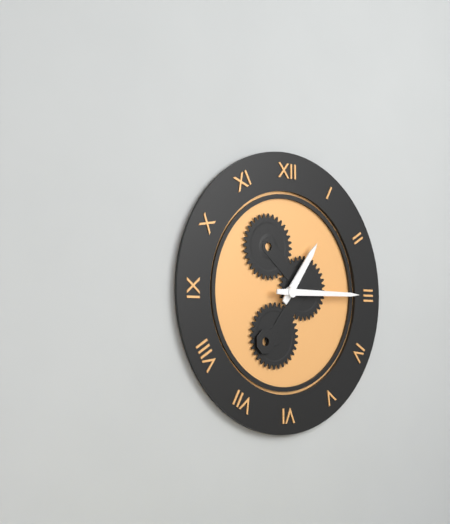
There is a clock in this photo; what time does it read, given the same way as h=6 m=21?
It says h=1 m=15
